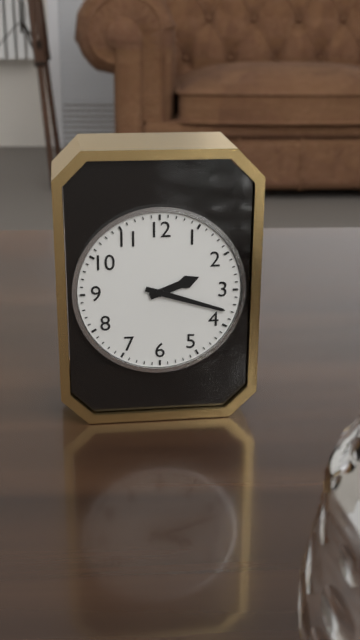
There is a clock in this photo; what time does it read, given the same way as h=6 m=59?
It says h=2 m=18
